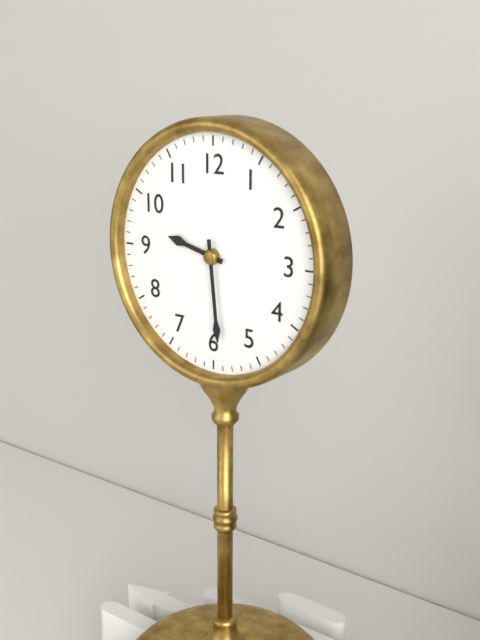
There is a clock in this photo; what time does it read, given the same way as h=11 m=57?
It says h=9 m=29
